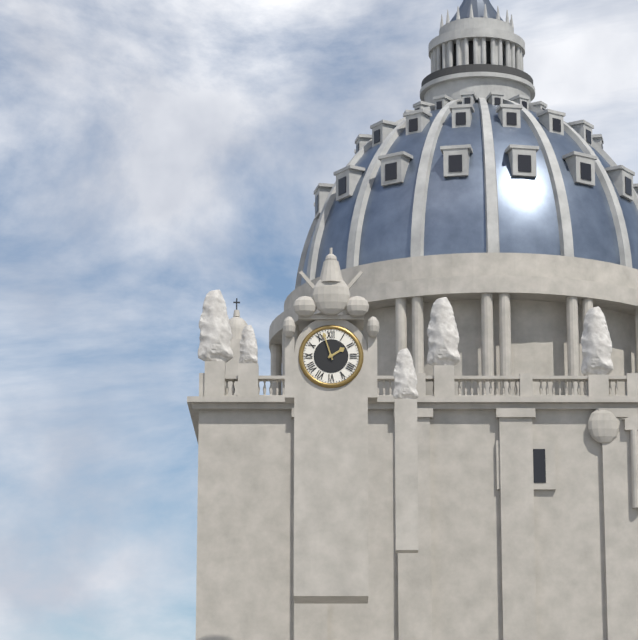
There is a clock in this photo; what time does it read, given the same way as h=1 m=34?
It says h=1 m=57
